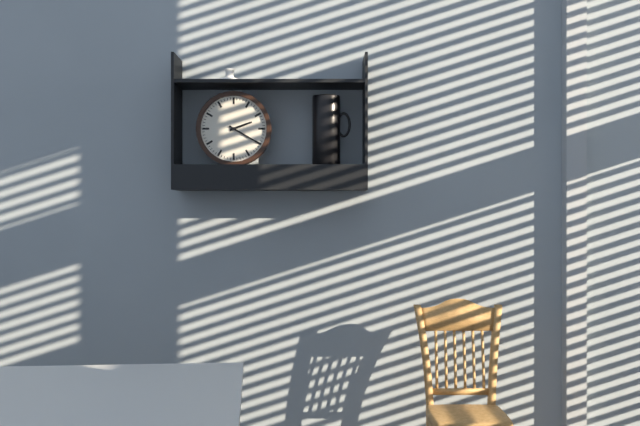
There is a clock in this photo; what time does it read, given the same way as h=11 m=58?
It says h=2 m=20
